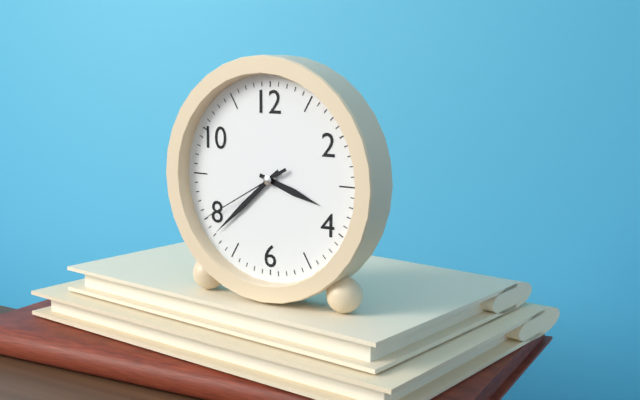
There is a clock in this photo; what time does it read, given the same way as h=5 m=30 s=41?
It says h=3 m=38 s=40
